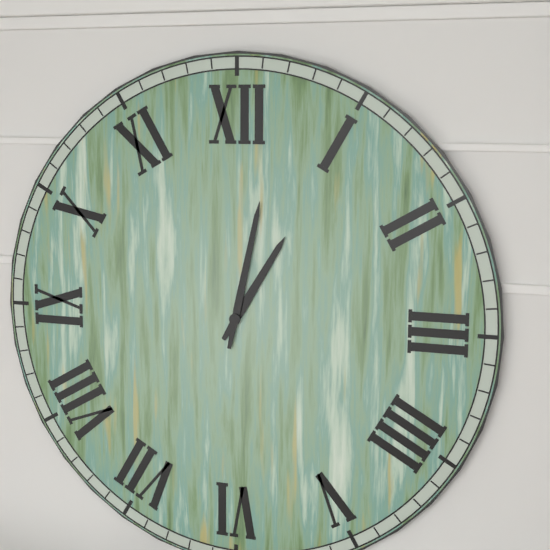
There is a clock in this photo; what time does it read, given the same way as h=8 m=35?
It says h=1 m=2
